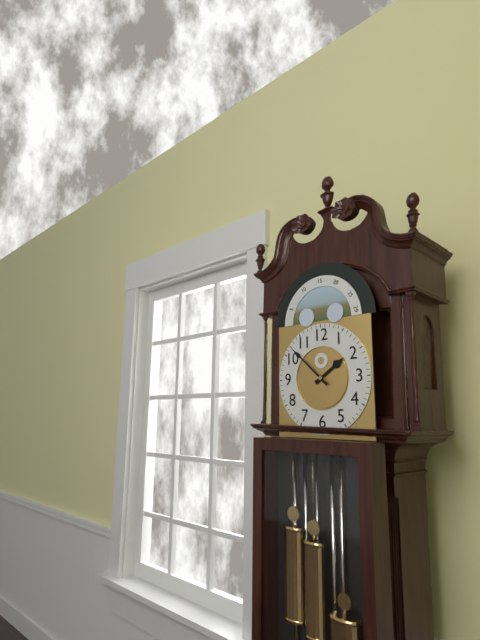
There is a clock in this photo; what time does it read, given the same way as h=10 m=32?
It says h=1 m=52
